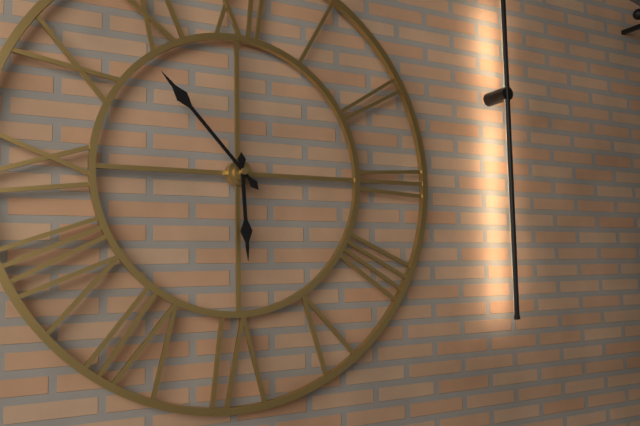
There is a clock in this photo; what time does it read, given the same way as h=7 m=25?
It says h=5 m=53
